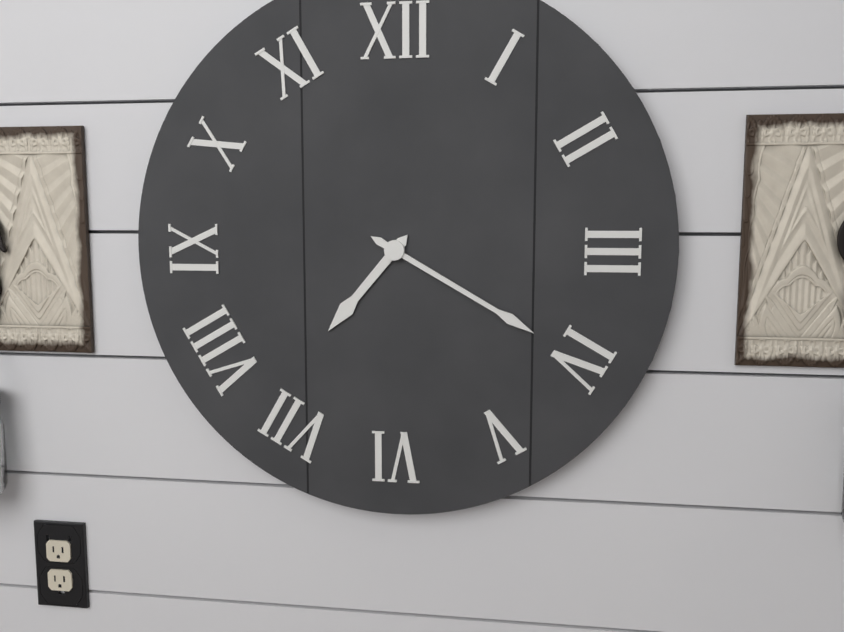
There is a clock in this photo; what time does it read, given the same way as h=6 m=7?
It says h=7 m=20
